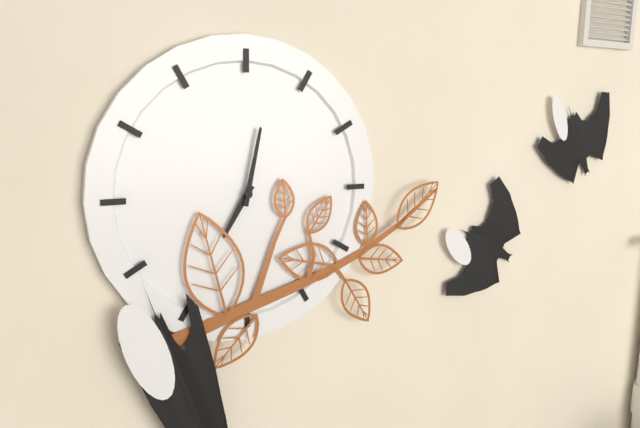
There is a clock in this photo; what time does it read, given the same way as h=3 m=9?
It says h=7 m=2
